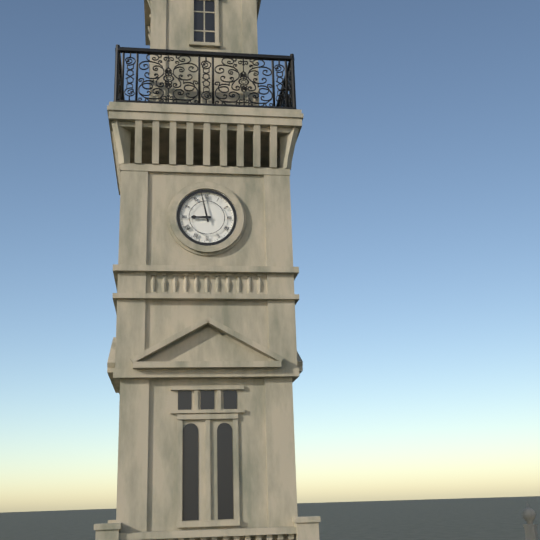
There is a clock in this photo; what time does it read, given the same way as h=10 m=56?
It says h=8 m=58
